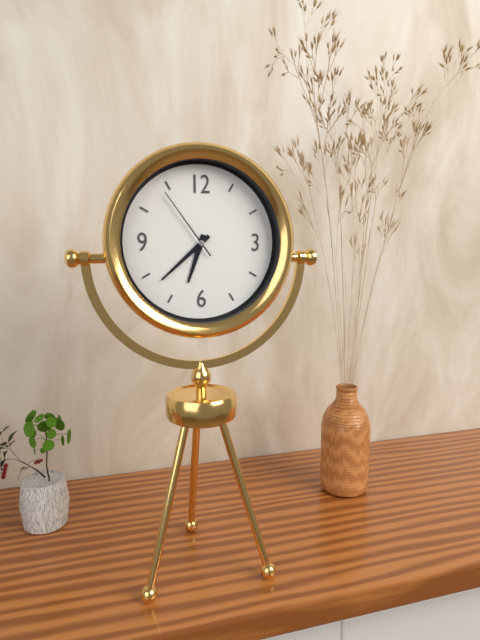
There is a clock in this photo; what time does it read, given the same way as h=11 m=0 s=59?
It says h=6 m=38 s=54
